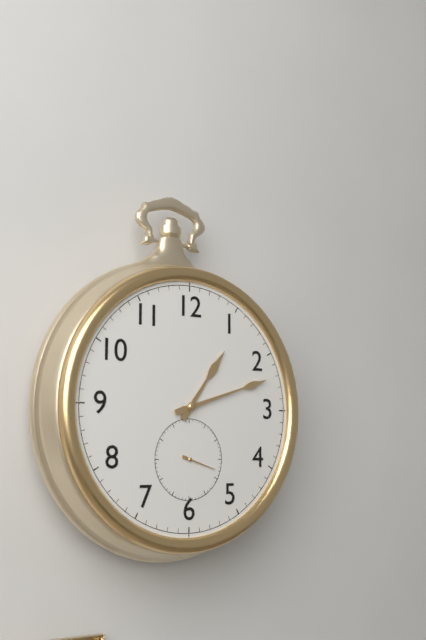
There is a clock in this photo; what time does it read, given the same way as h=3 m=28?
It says h=1 m=12
